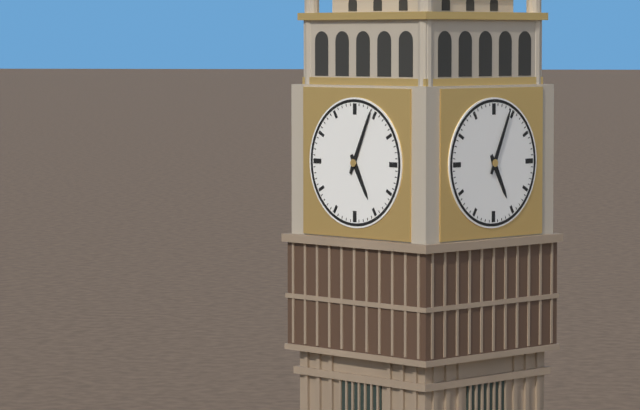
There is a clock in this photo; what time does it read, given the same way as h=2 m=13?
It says h=5 m=4
